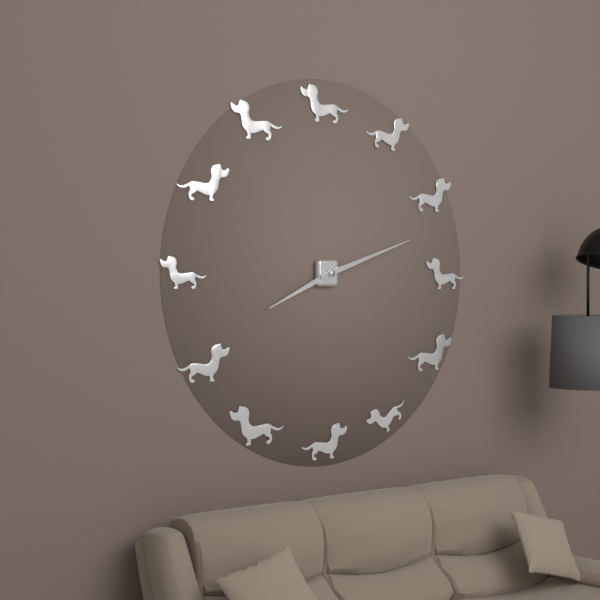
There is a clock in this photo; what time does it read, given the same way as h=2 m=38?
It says h=8 m=12
